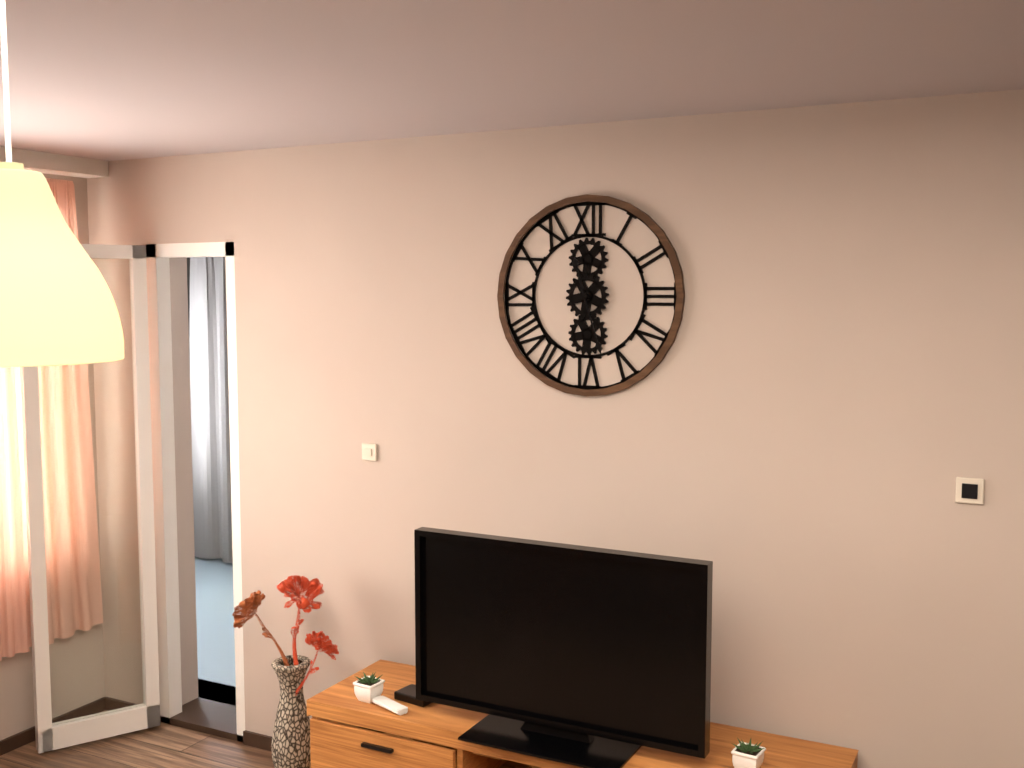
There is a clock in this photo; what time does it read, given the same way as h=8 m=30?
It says h=11 m=27
